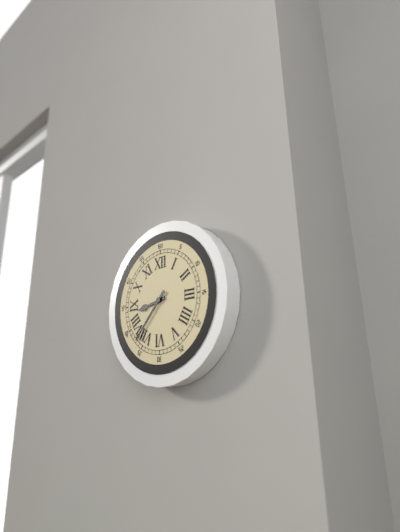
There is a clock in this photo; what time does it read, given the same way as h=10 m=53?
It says h=8 m=37
